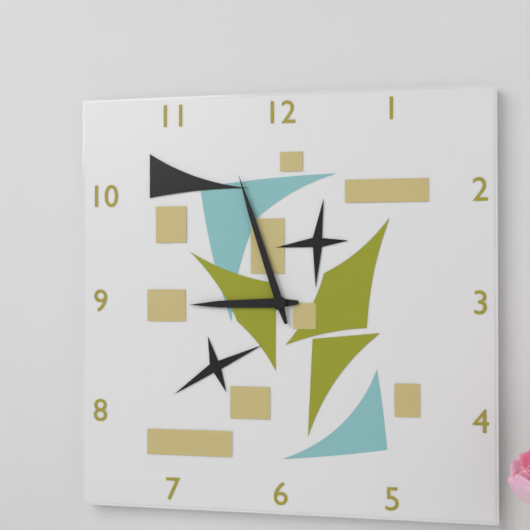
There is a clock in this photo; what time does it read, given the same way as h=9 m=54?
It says h=8 m=57
